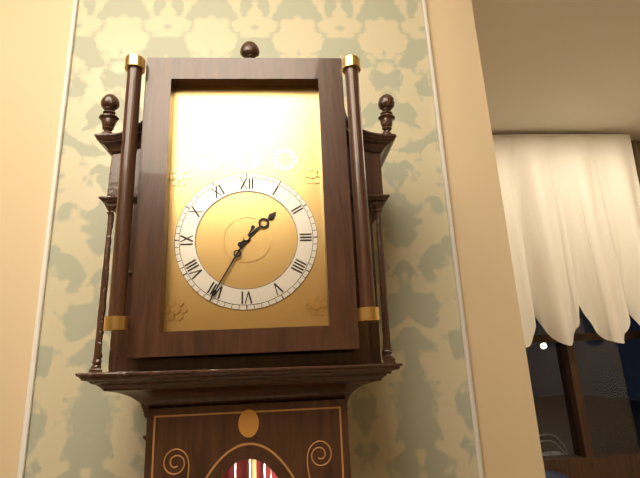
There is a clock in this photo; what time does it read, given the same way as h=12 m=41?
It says h=1 m=35
